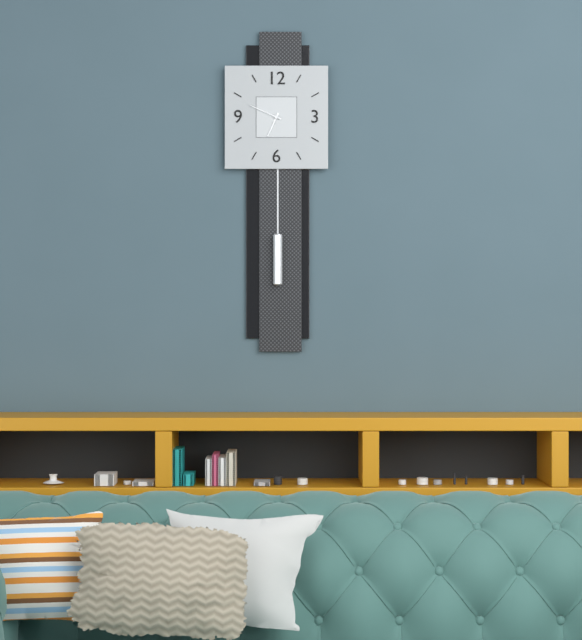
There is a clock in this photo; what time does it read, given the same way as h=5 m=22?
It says h=6 m=49
